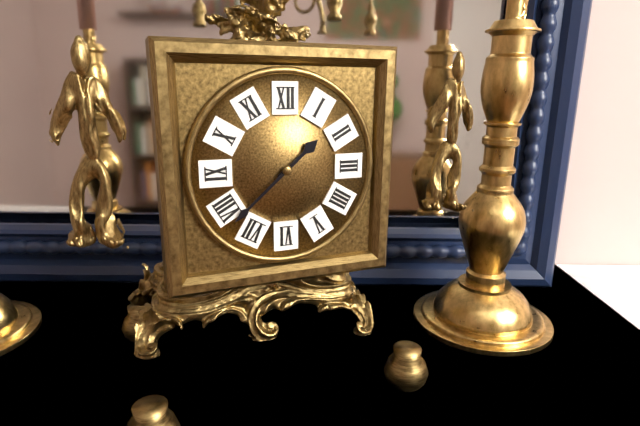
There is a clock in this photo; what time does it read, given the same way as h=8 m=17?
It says h=1 m=38
